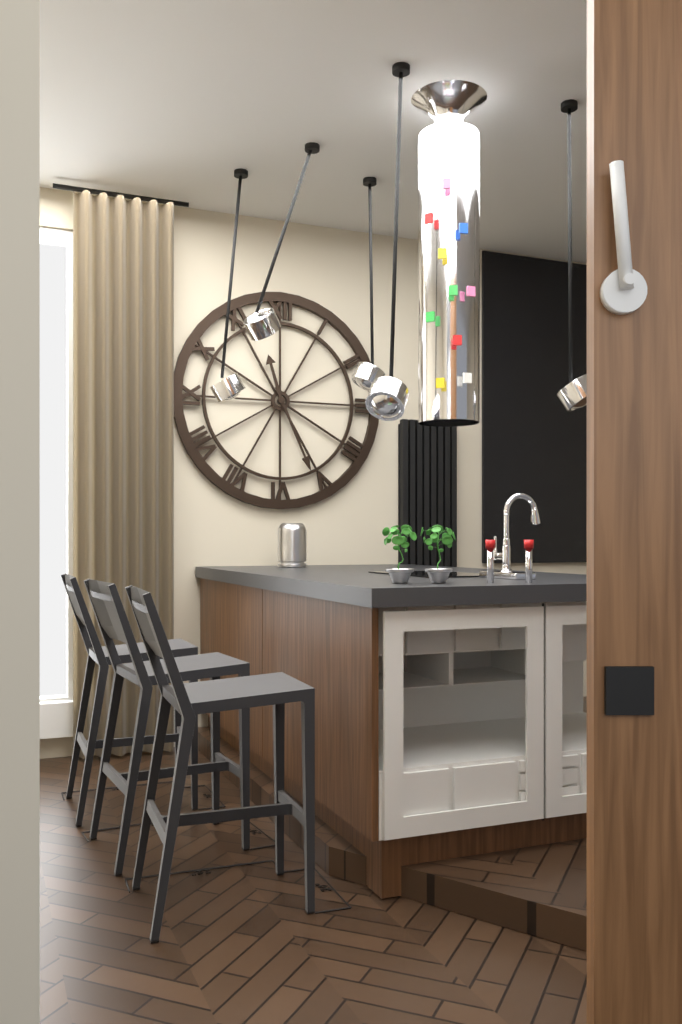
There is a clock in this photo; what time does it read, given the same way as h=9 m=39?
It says h=11 m=26
